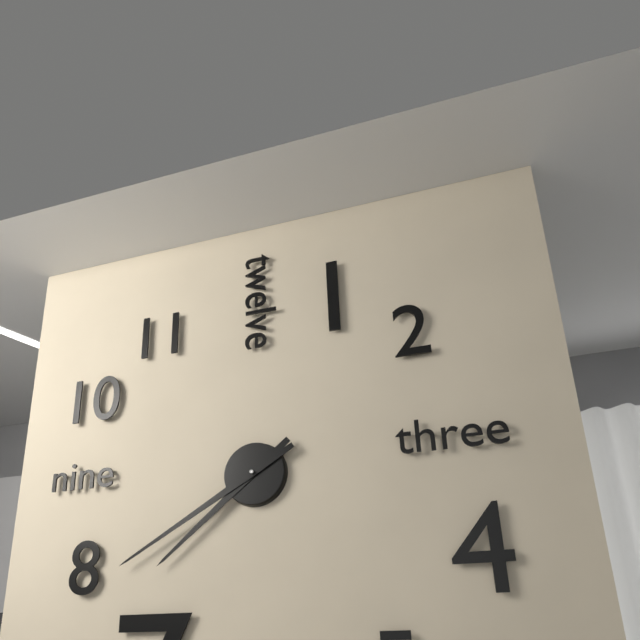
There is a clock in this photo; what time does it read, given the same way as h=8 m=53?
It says h=7 m=40
